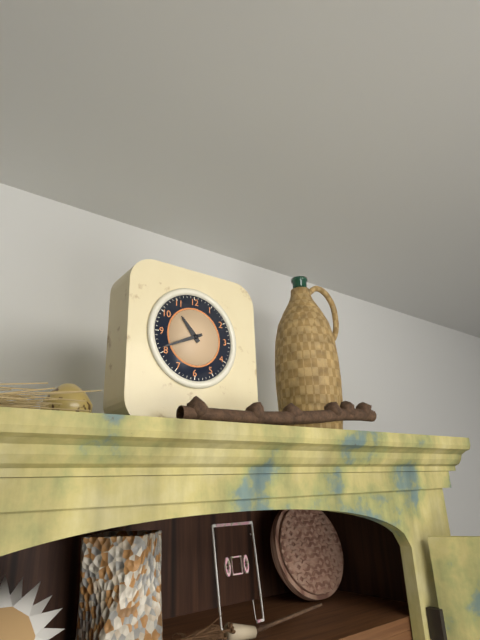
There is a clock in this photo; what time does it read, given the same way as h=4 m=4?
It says h=10 m=41
